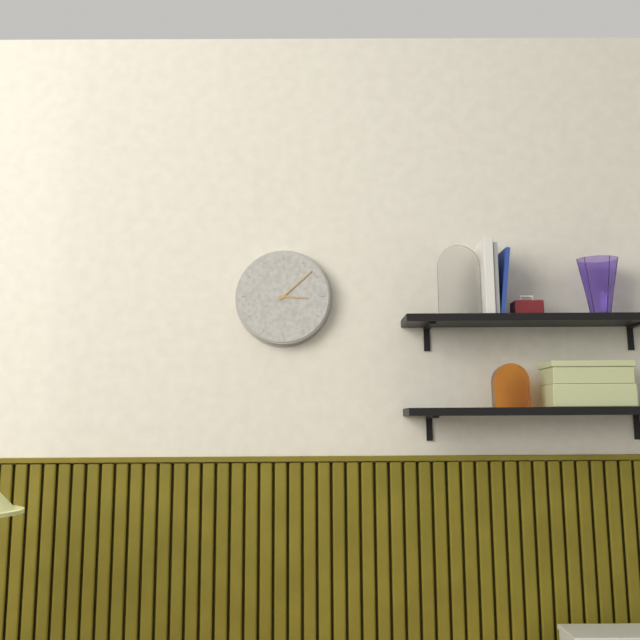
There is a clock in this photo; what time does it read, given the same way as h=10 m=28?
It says h=3 m=8
